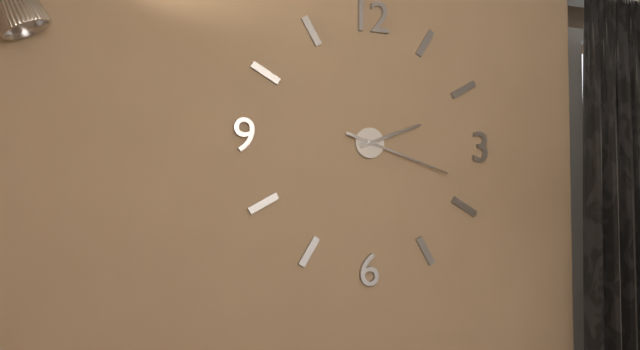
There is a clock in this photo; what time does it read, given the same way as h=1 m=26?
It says h=2 m=18
